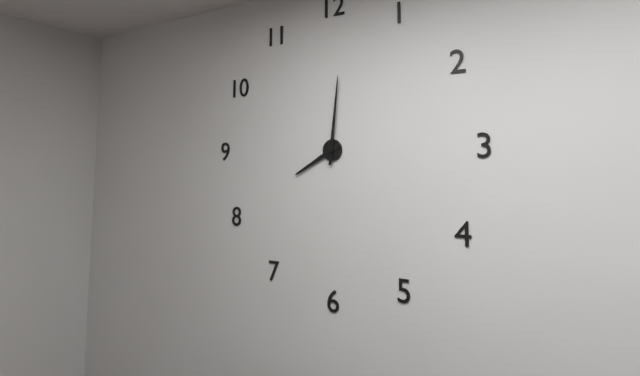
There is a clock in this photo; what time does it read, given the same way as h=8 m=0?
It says h=8 m=1
